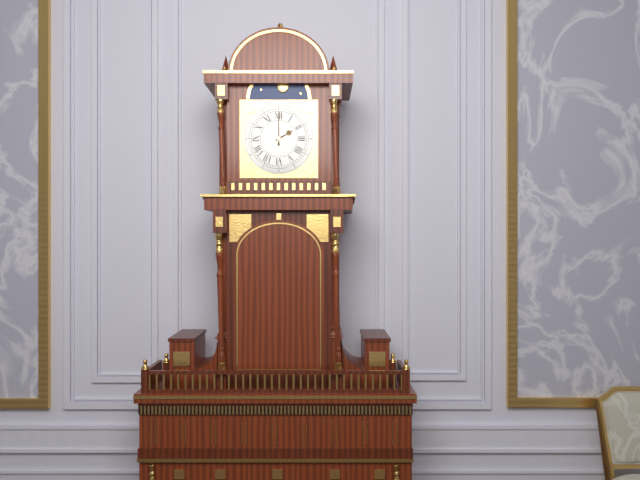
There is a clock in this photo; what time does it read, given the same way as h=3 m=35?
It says h=2 m=0
